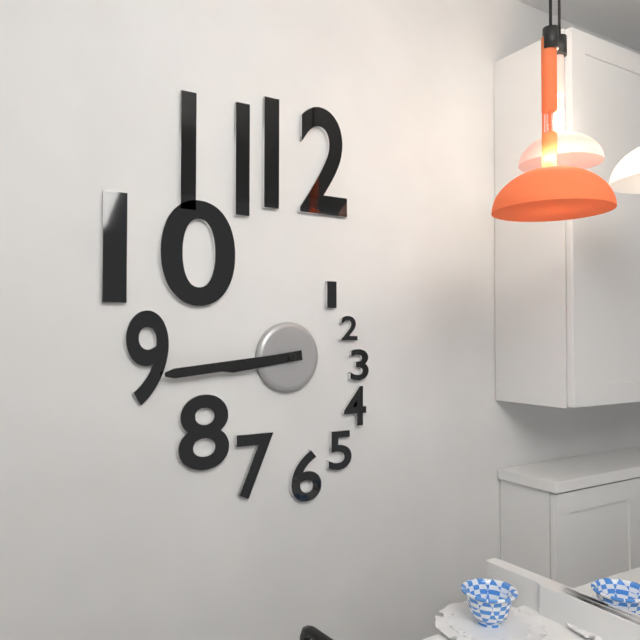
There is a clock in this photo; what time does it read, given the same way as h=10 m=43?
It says h=8 m=44
